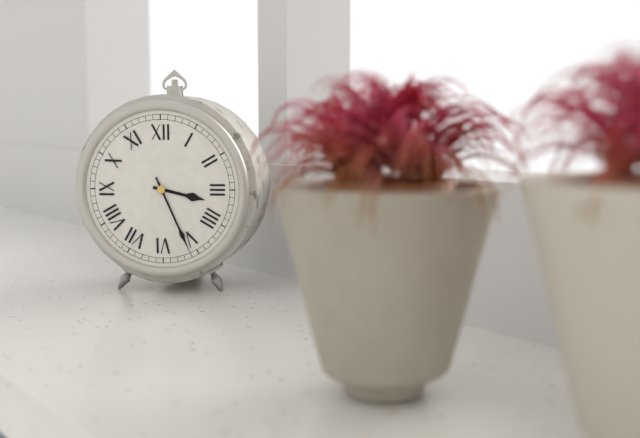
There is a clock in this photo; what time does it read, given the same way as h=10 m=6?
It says h=3 m=26
